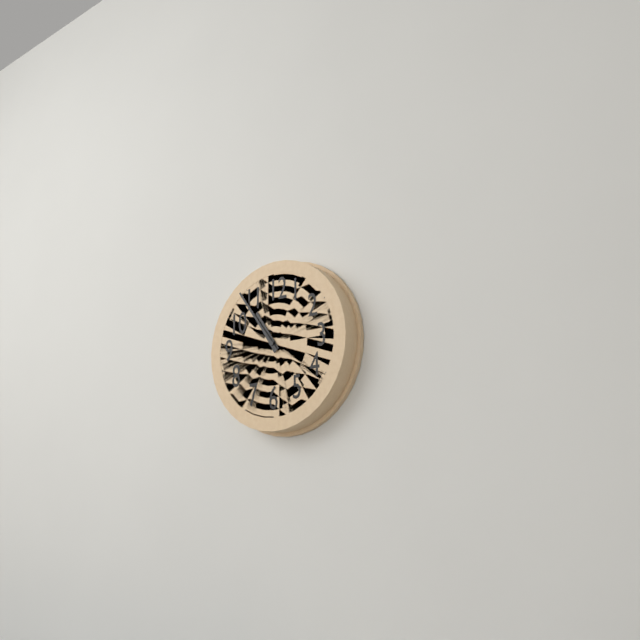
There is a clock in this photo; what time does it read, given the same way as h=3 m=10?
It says h=10 m=54
